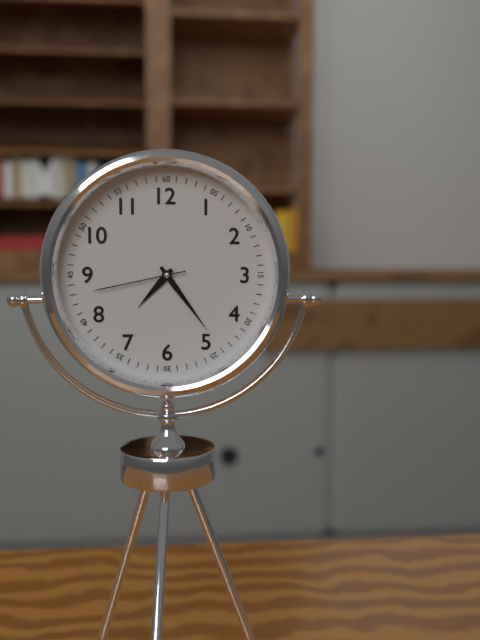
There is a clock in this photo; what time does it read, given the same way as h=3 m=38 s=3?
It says h=7 m=24 s=43
